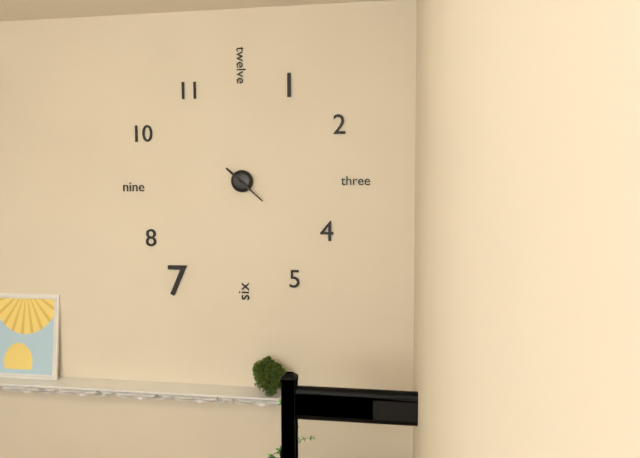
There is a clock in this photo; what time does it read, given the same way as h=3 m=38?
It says h=10 m=22
